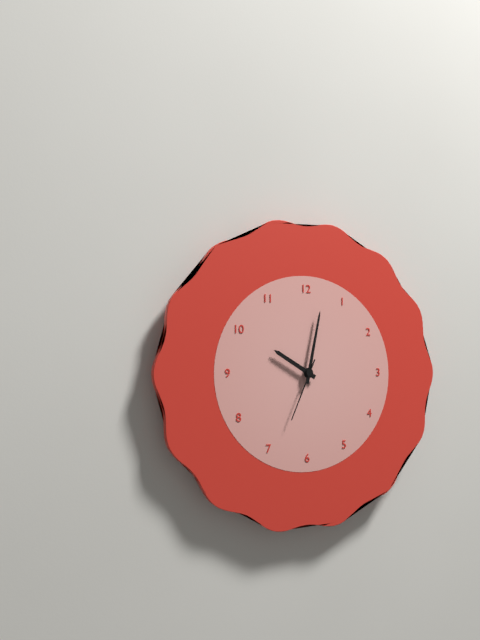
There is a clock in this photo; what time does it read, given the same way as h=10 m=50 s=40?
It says h=10 m=2 s=34
